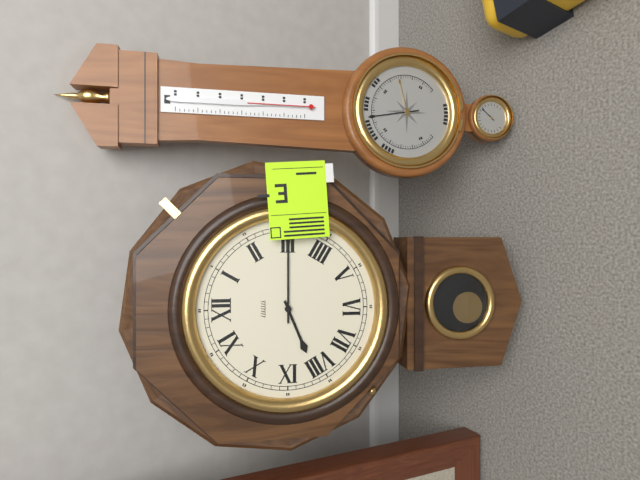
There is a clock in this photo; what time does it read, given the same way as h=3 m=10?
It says h=8 m=15
